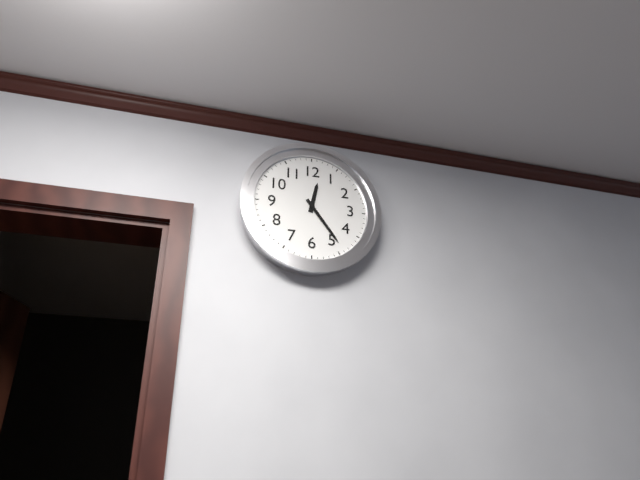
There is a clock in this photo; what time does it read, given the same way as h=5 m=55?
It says h=12 m=24
